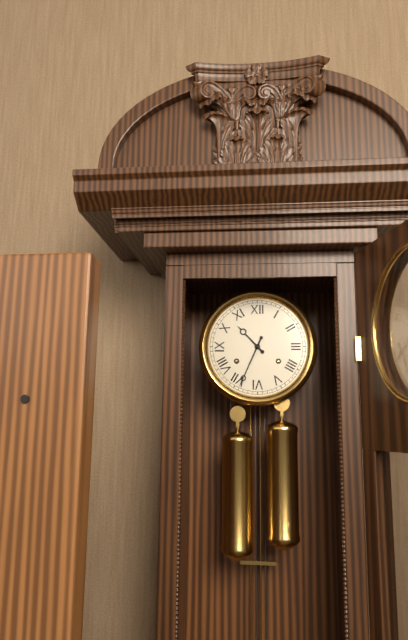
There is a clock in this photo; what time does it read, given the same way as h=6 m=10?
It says h=10 m=34
